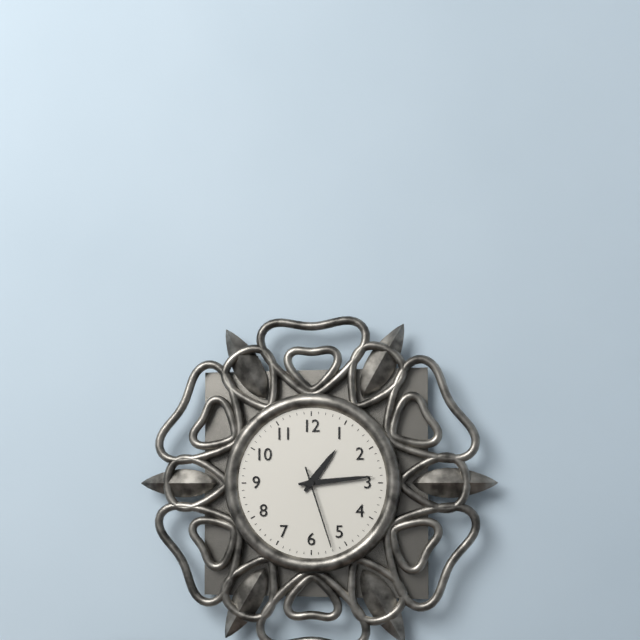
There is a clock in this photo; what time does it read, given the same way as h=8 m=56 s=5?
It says h=1 m=14 s=27
